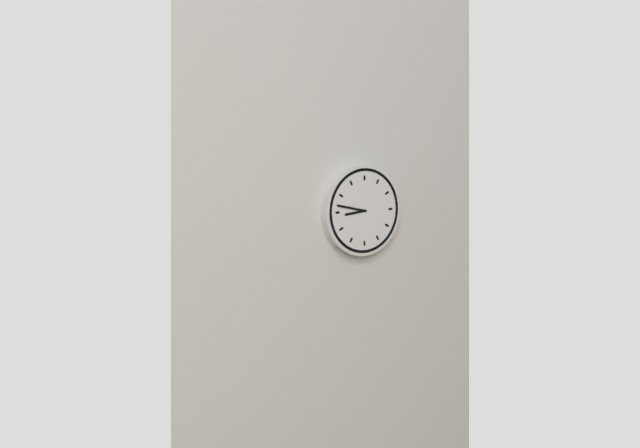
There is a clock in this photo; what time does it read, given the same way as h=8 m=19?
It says h=8 m=47
